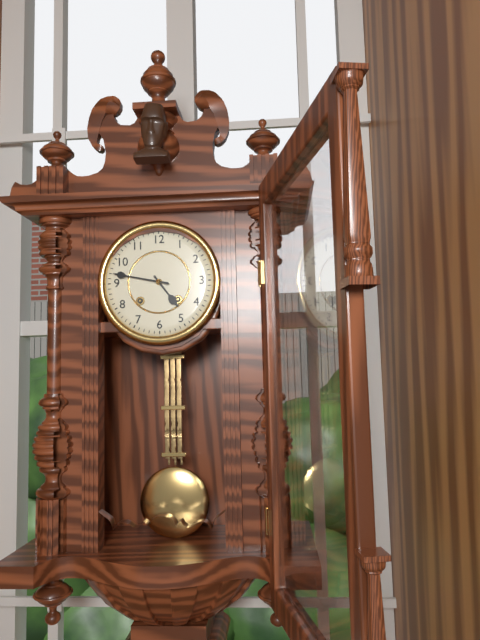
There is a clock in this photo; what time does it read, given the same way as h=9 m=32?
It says h=4 m=47
